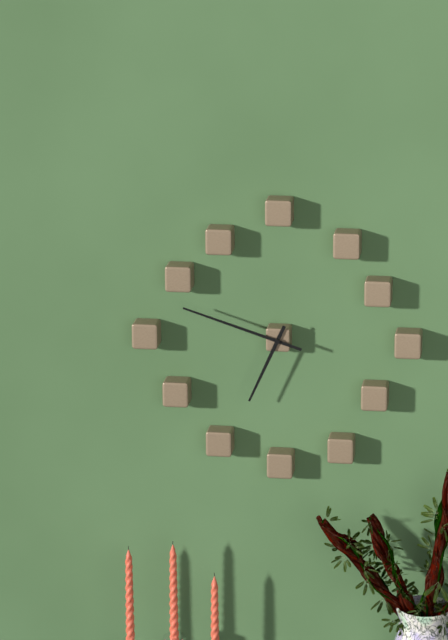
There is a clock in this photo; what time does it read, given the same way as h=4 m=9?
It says h=6 m=48
